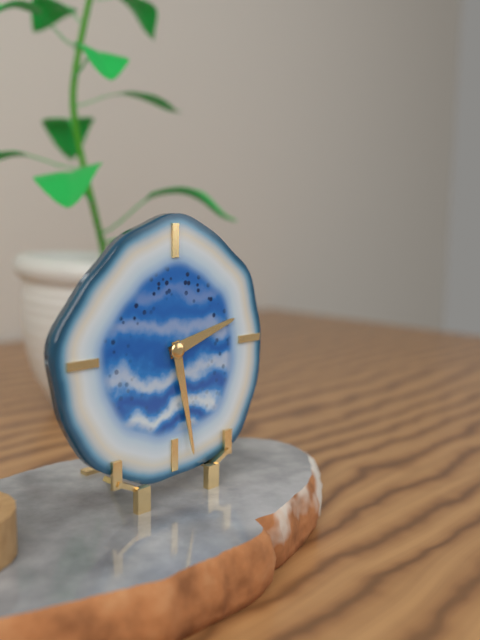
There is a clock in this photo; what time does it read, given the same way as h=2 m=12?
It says h=2 m=28
